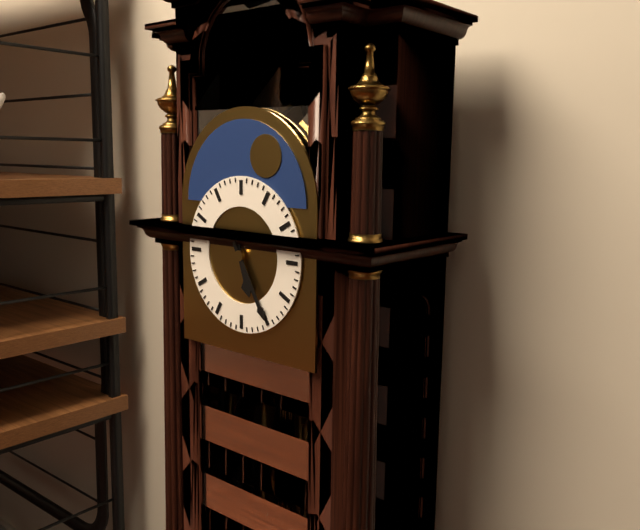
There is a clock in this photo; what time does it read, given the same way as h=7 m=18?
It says h=5 m=25
